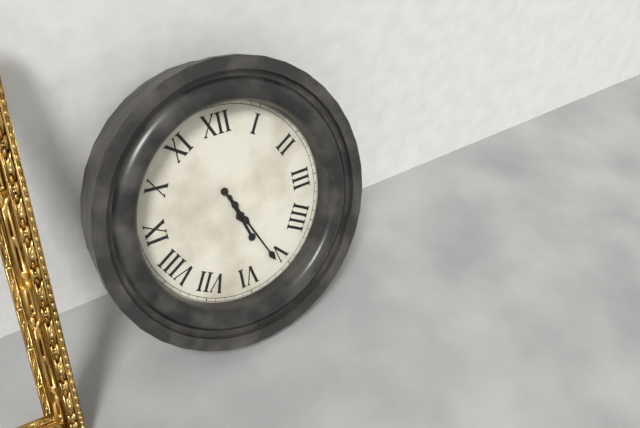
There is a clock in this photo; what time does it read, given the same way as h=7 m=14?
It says h=5 m=26
